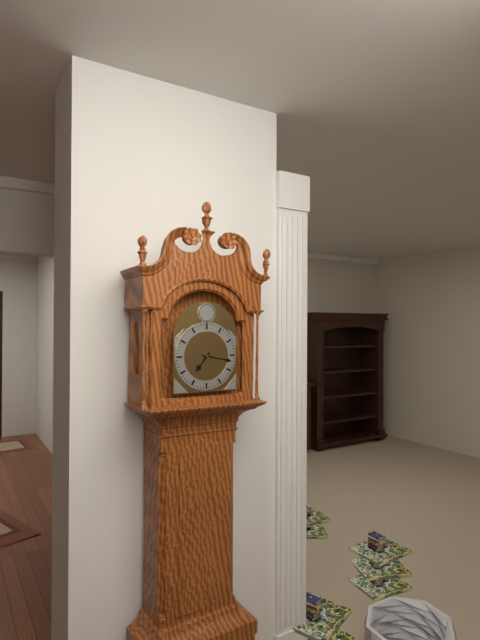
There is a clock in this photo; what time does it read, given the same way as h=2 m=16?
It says h=7 m=17
